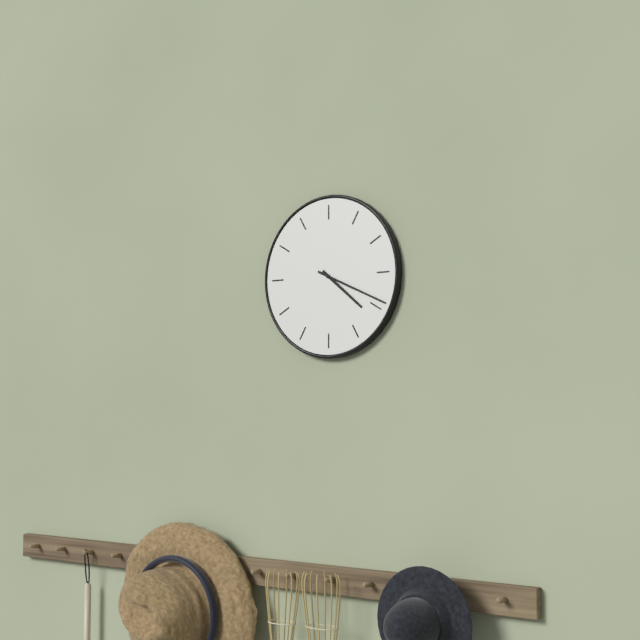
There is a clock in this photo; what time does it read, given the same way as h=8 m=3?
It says h=4 m=19
